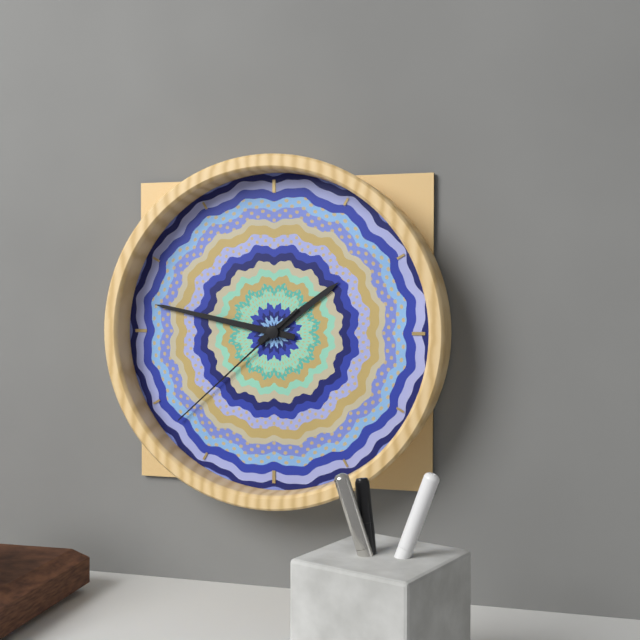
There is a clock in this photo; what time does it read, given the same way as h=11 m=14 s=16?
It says h=1 m=47 s=38
